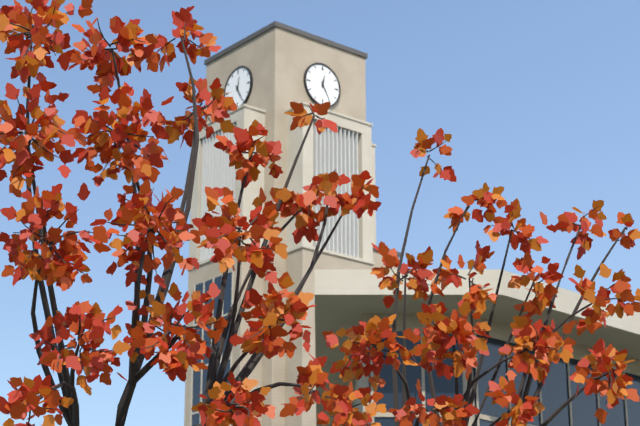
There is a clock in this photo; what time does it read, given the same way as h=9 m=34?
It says h=12 m=25
